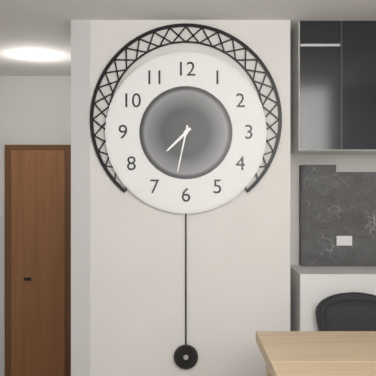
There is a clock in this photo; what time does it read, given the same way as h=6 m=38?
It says h=7 m=32
